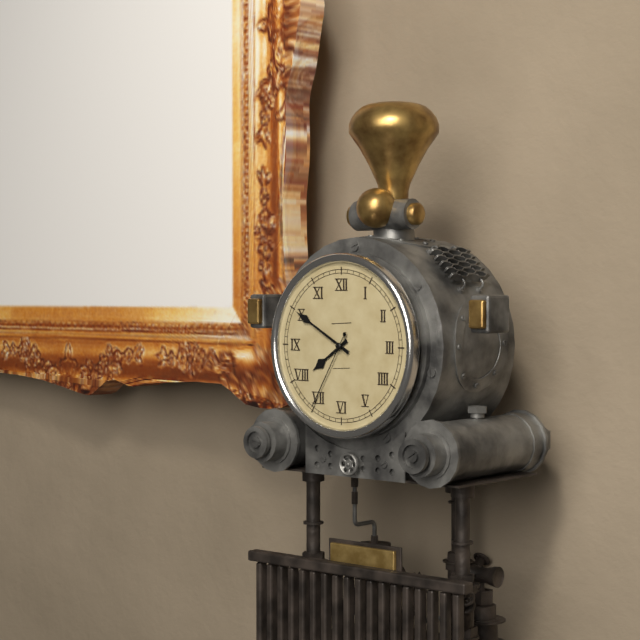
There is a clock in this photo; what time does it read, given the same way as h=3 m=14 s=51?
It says h=7 m=50 s=35
